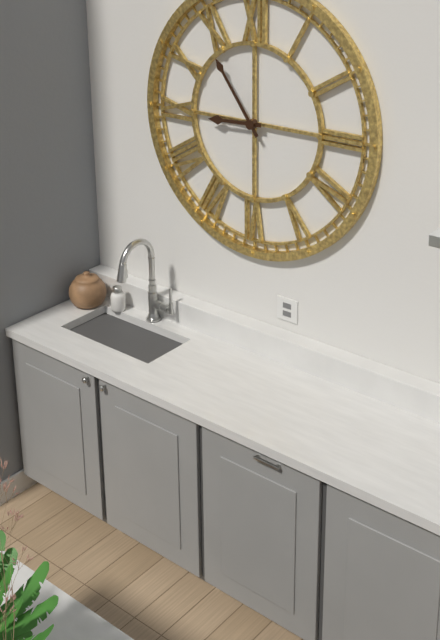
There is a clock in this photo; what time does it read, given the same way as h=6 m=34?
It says h=8 m=54
